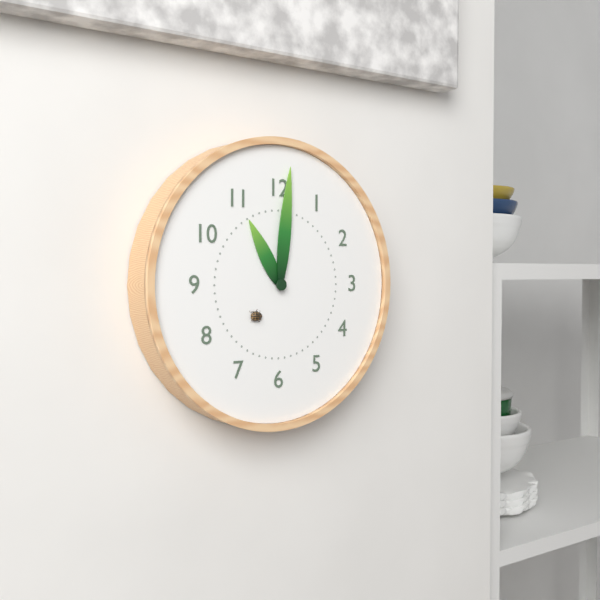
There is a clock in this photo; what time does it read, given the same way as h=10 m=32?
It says h=11 m=1
